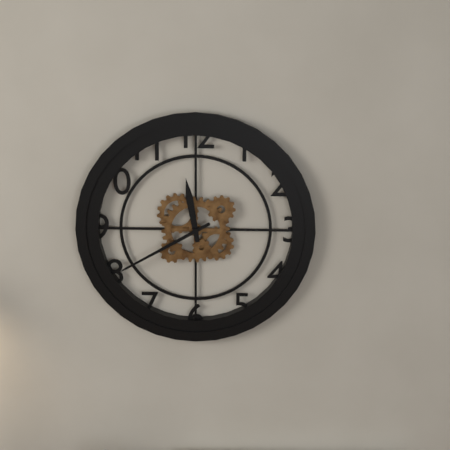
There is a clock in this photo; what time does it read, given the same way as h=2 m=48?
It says h=11 m=40
